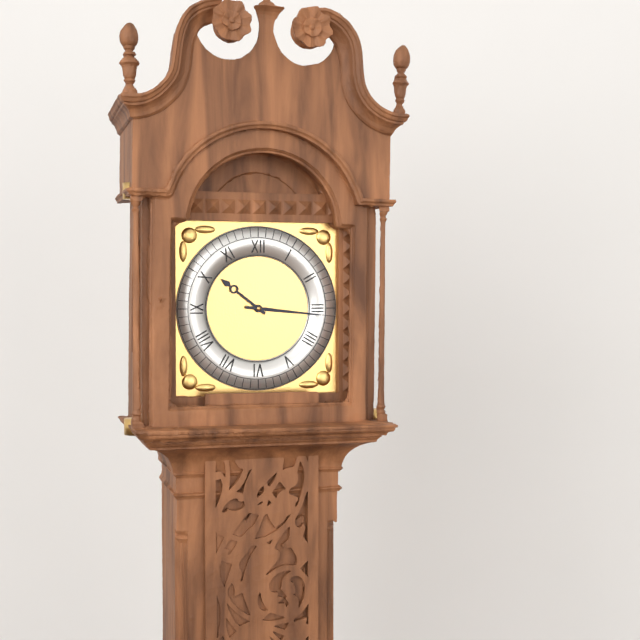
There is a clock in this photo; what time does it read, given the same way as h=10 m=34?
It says h=10 m=16
